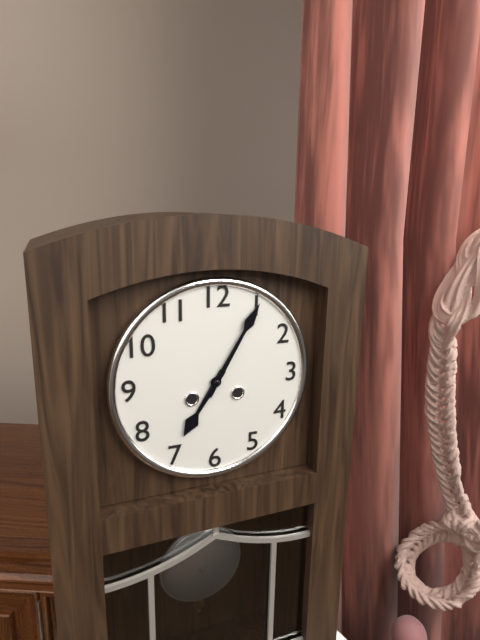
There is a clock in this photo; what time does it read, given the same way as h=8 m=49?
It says h=7 m=5
